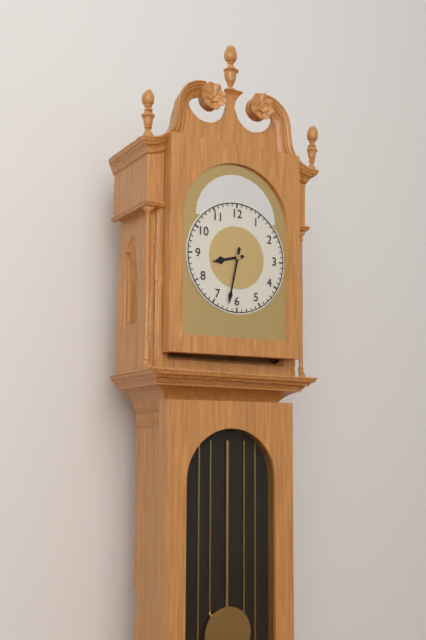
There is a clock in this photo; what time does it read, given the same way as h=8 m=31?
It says h=8 m=32
